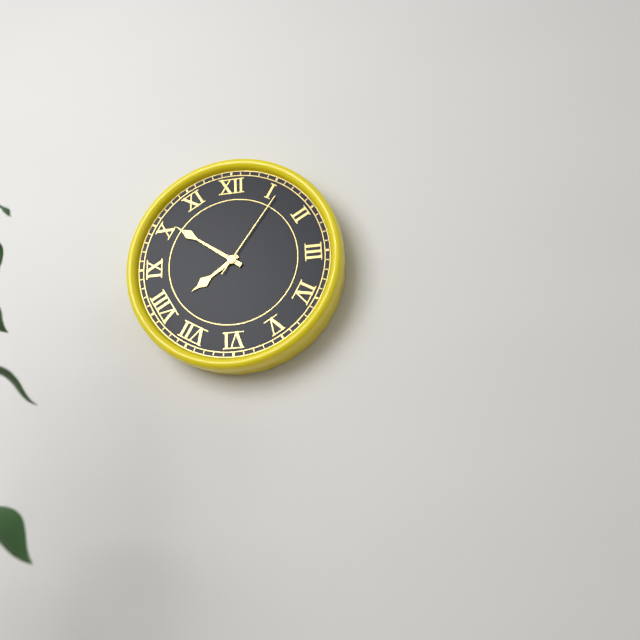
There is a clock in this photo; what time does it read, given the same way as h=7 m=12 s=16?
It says h=7 m=51 s=6
